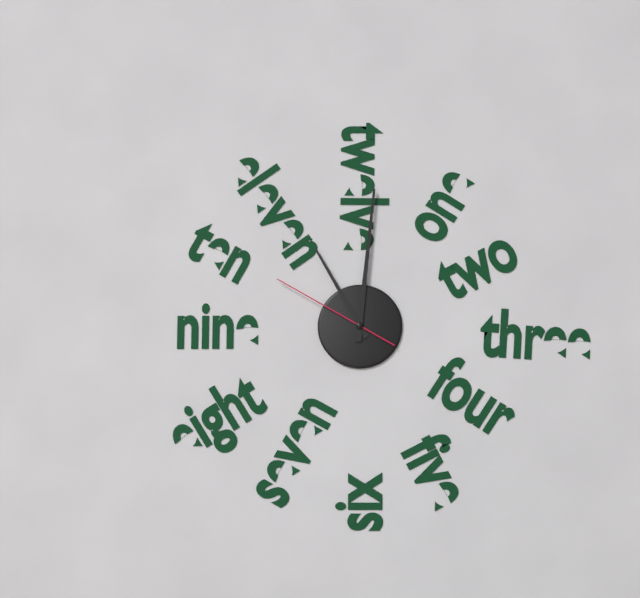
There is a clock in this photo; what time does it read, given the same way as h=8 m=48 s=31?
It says h=11 m=1 s=50
